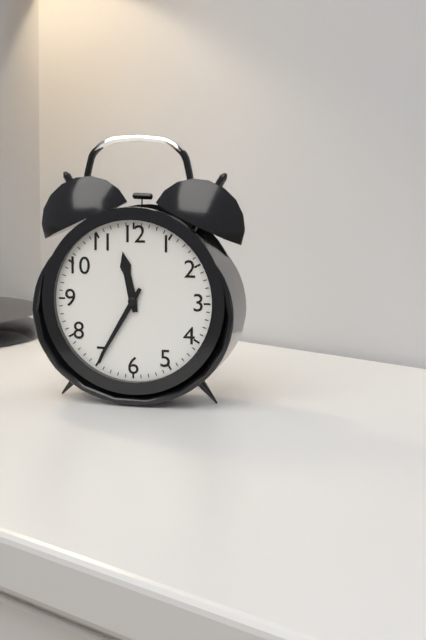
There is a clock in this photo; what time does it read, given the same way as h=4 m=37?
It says h=11 m=35
